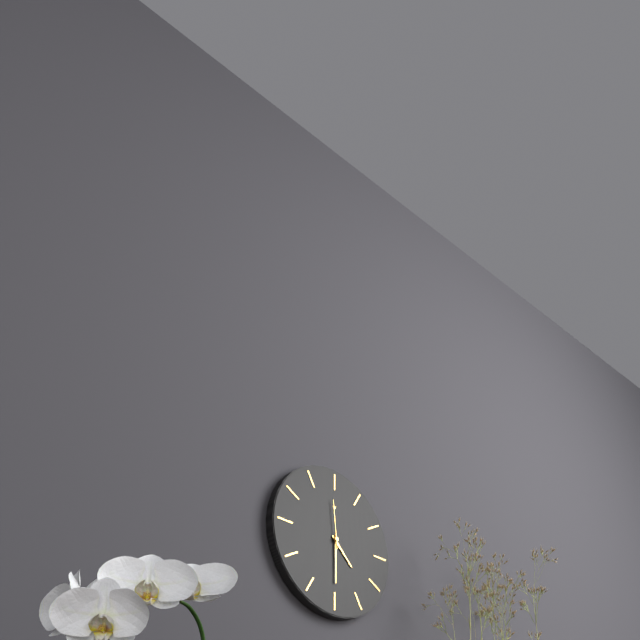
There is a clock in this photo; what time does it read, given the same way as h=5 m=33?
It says h=4 m=30
